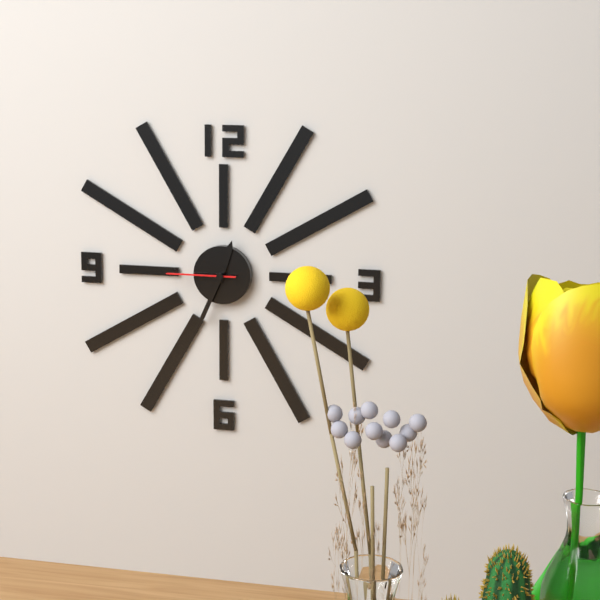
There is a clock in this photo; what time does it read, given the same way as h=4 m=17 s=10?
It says h=12 m=34 s=45
